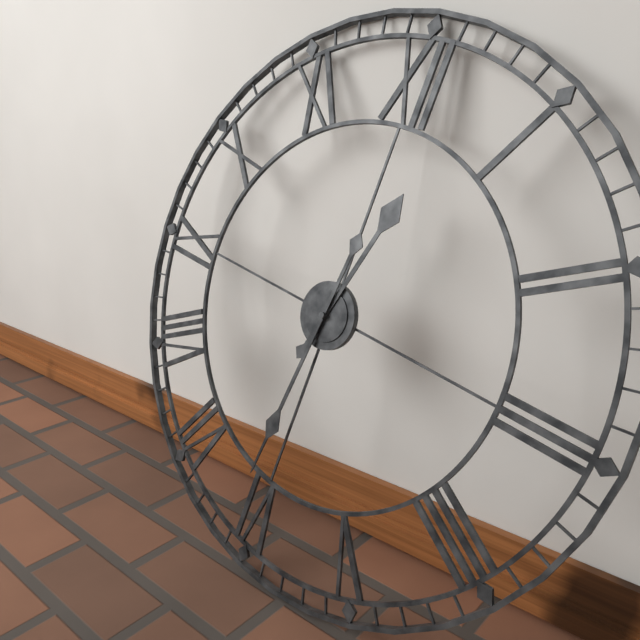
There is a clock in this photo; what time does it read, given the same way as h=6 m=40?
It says h=12 m=31
